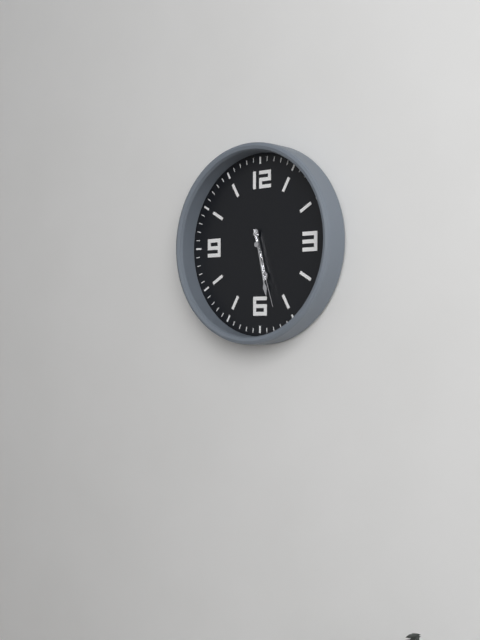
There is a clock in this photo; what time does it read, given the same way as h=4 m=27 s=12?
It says h=5 m=28 s=27
